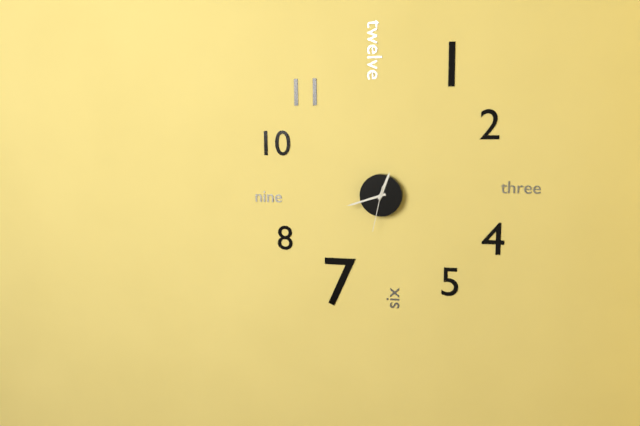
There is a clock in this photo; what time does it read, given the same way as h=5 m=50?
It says h=12 m=42
